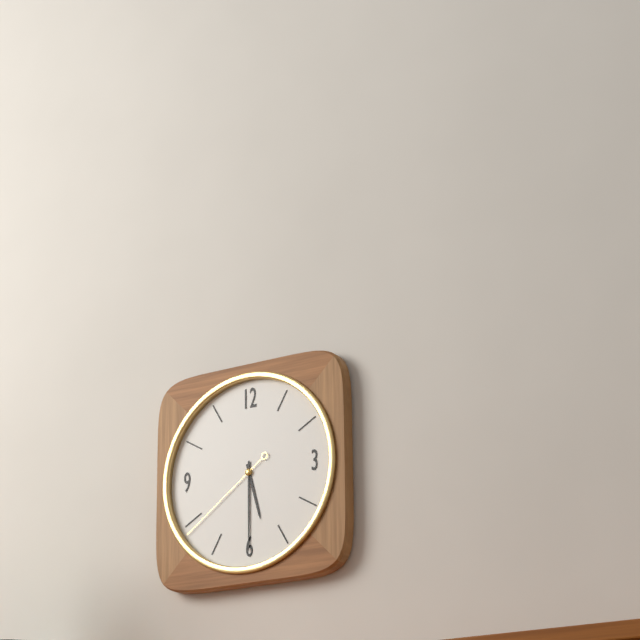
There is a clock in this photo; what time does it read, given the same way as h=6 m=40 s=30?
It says h=5 m=30 s=39
